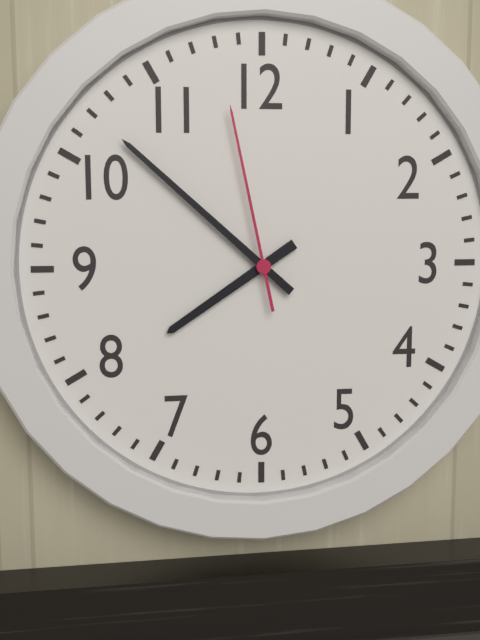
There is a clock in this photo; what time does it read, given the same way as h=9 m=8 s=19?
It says h=7 m=52 s=58
